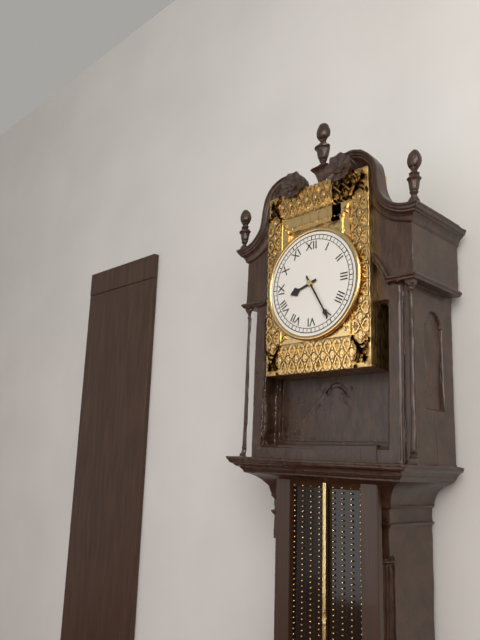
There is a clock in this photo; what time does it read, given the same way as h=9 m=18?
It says h=8 m=25
